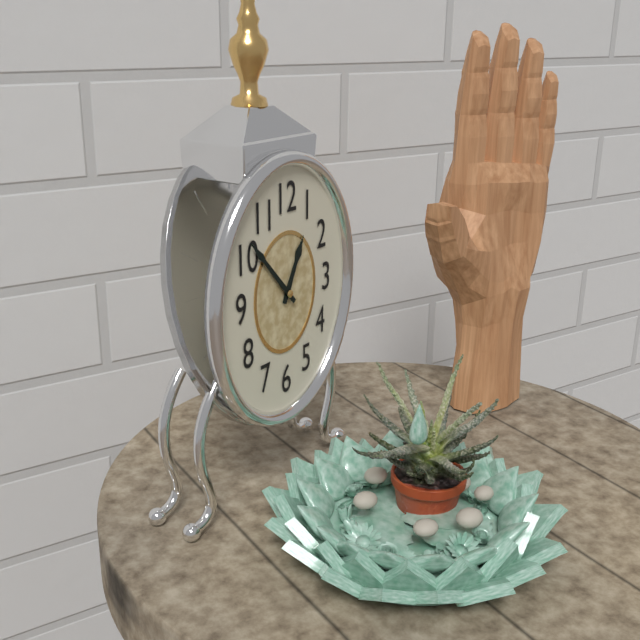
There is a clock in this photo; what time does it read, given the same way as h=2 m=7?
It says h=12 m=53
